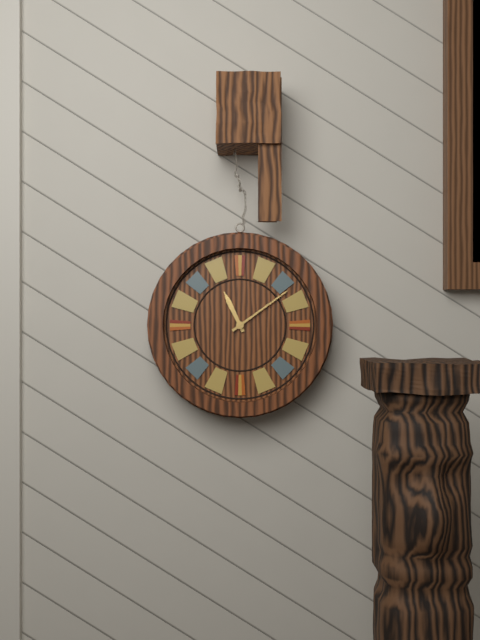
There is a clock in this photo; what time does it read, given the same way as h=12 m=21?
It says h=11 m=9
